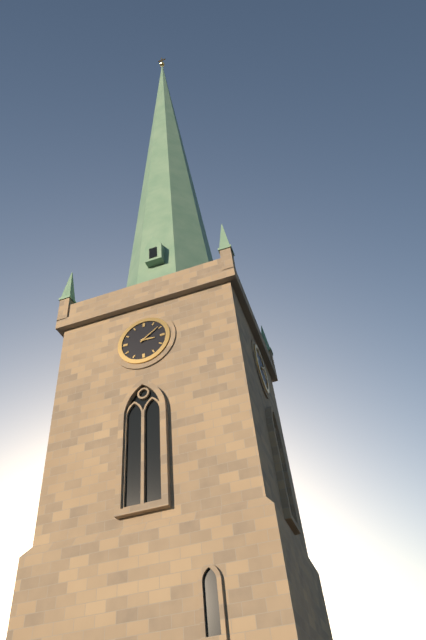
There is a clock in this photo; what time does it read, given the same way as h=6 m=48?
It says h=3 m=9
